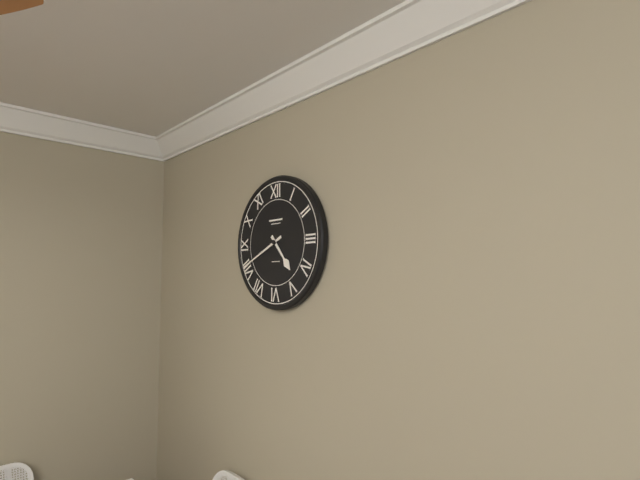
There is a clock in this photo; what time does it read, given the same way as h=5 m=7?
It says h=4 m=41
